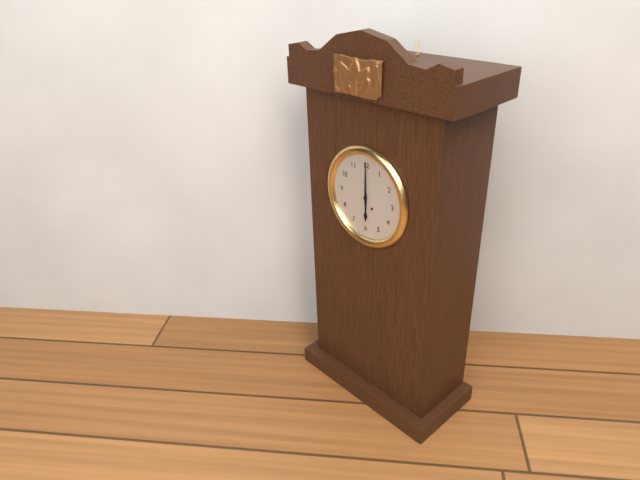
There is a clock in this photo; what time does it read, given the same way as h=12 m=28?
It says h=6 m=0
